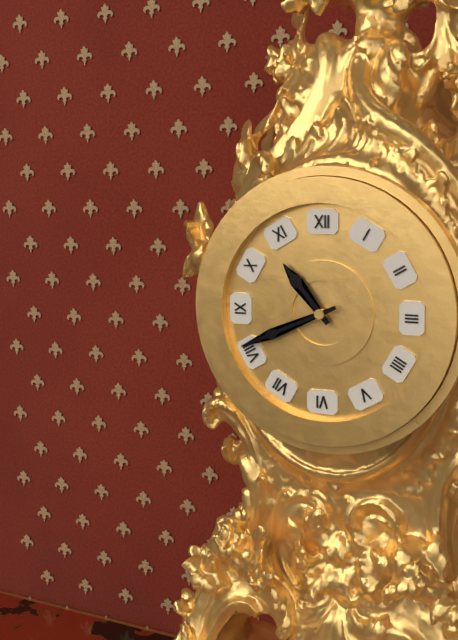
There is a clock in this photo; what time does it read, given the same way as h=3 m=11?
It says h=10 m=41
